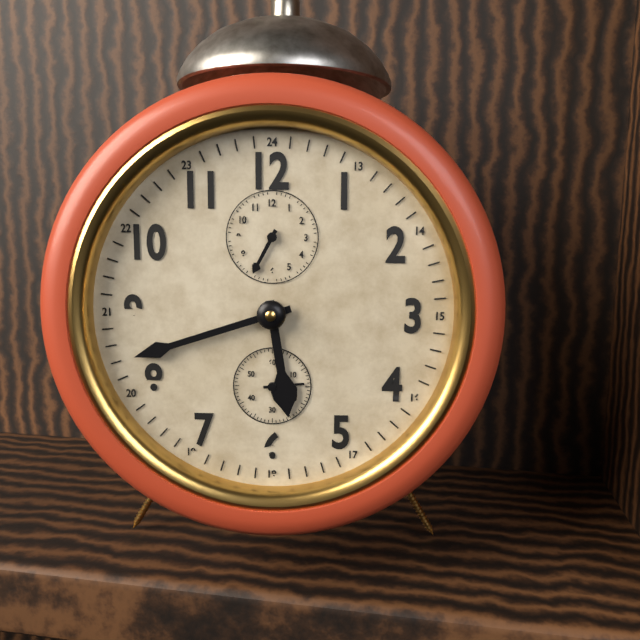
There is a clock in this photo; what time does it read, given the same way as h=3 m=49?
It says h=5 m=42
